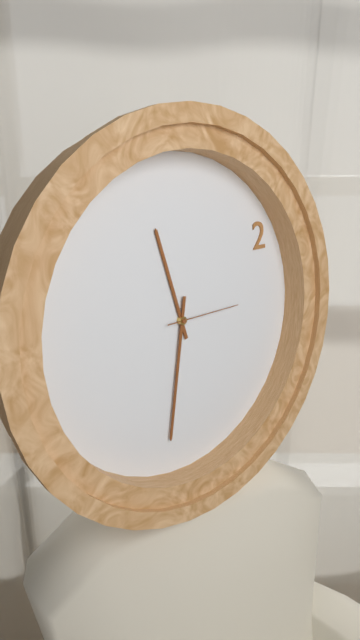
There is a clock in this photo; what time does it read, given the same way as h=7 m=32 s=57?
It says h=11 m=32 s=15
